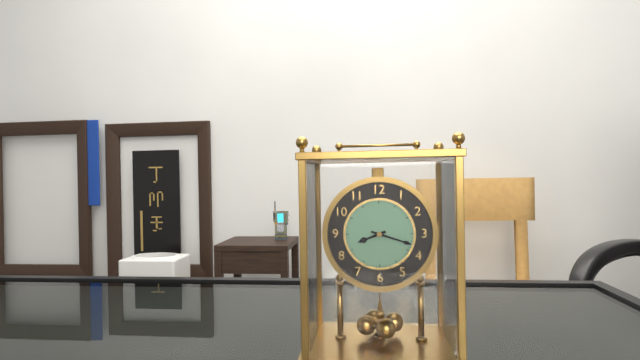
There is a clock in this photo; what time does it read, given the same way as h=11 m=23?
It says h=8 m=18
